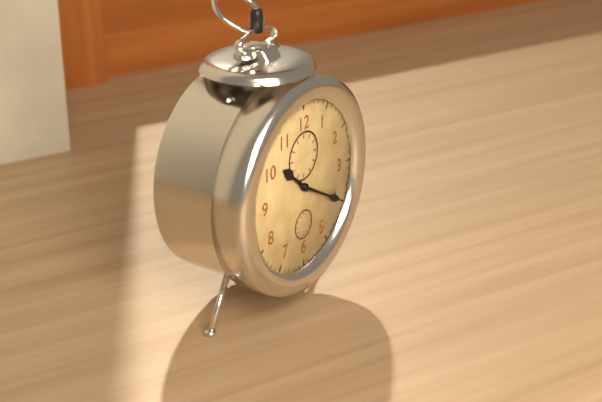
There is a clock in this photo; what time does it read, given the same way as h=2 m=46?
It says h=10 m=20
